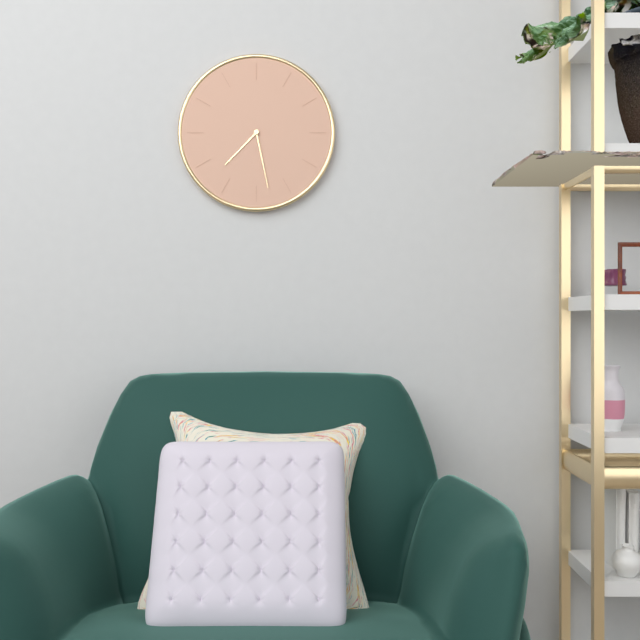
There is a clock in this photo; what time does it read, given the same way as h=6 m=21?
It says h=7 m=28
